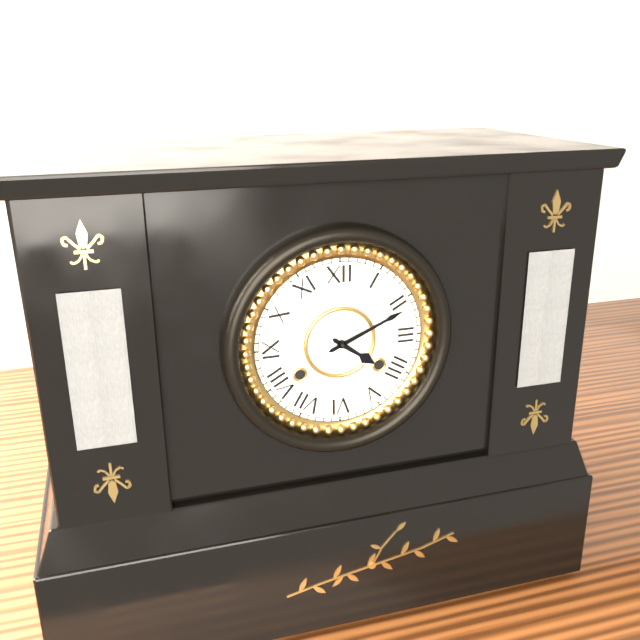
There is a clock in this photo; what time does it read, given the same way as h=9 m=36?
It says h=4 m=11
